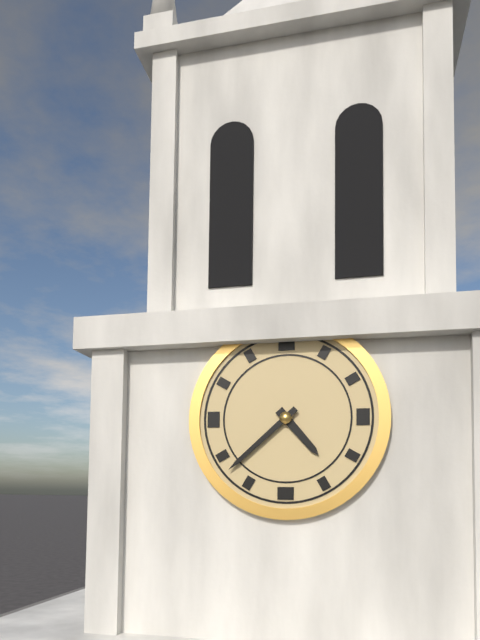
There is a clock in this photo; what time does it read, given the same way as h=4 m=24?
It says h=4 m=38
